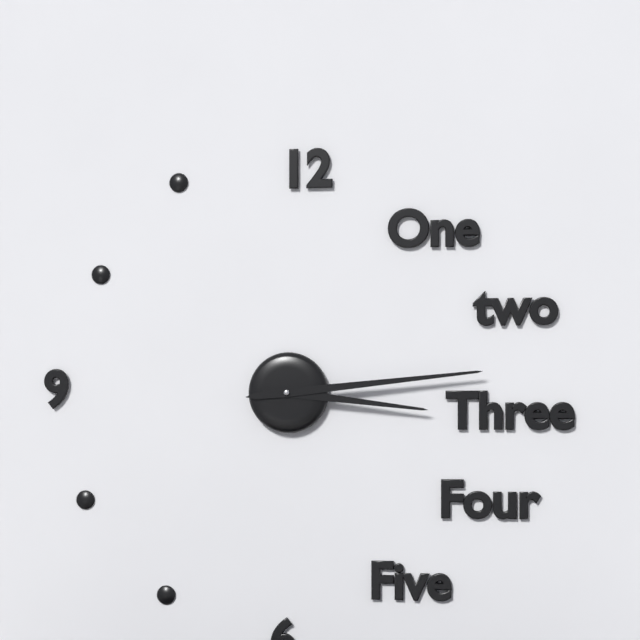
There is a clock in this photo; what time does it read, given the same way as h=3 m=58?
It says h=3 m=14
